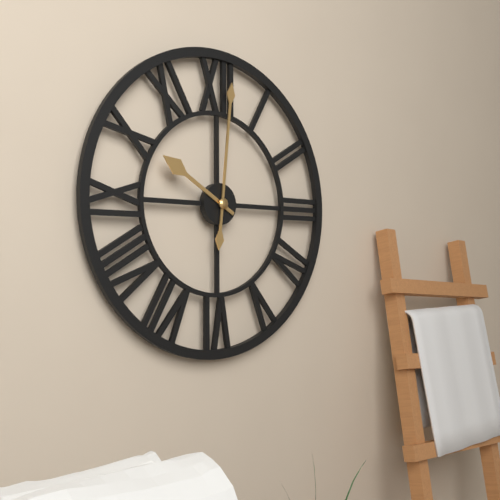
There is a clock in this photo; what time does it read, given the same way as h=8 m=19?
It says h=10 m=1
